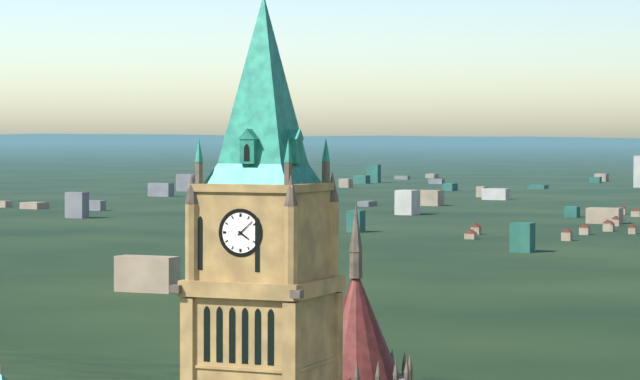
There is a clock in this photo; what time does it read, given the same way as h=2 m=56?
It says h=4 m=8
